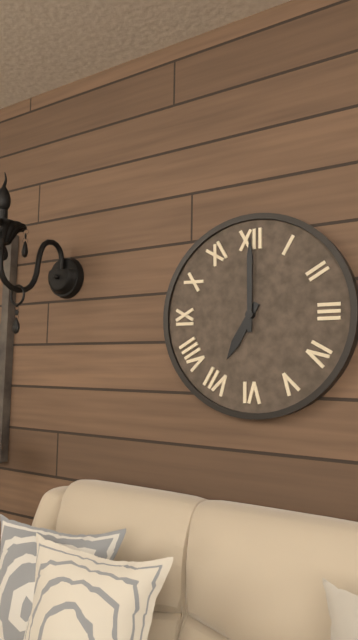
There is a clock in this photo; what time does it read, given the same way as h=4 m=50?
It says h=7 m=0
